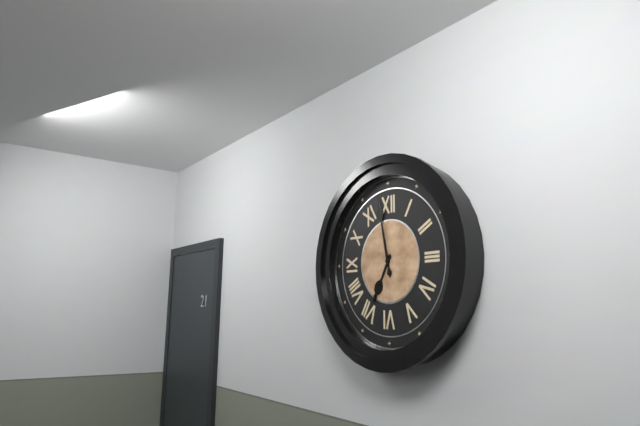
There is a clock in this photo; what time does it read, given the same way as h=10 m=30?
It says h=6 m=58
